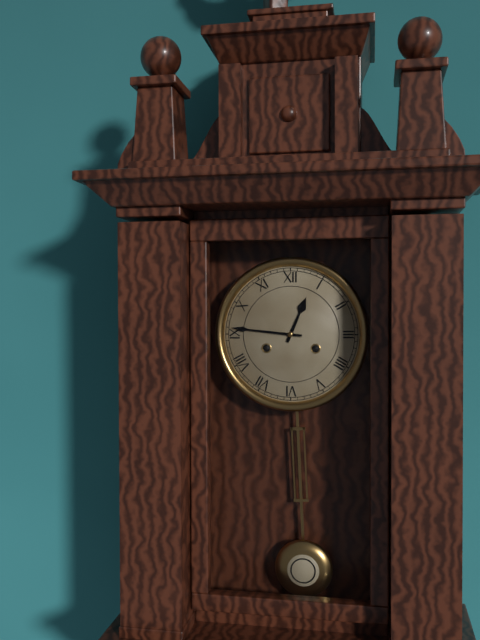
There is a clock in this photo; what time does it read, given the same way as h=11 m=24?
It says h=12 m=46
